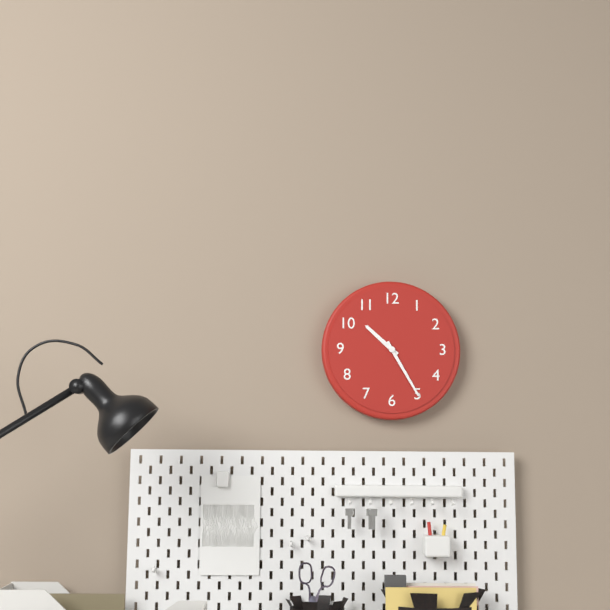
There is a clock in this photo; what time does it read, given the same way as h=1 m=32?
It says h=10 m=25
